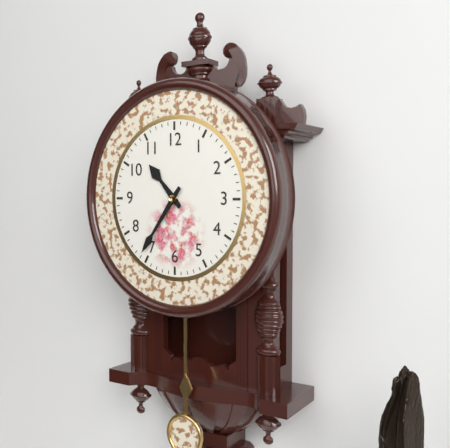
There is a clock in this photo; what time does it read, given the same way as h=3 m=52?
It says h=10 m=36
